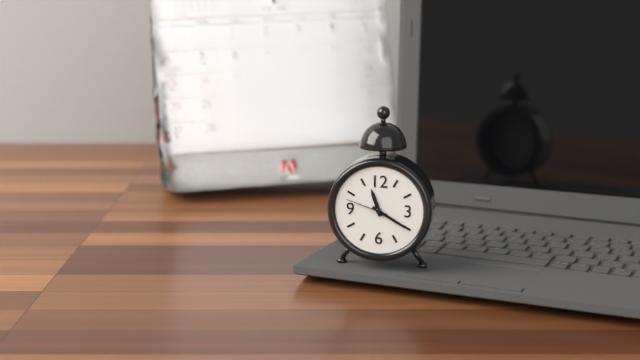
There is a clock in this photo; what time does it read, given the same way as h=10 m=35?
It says h=11 m=20
